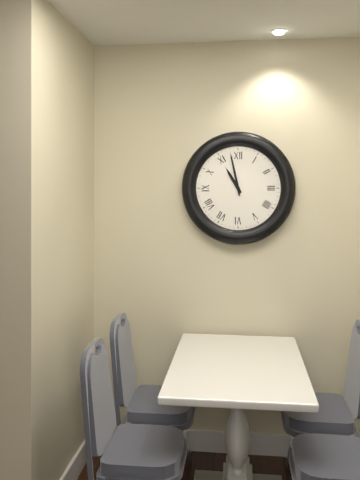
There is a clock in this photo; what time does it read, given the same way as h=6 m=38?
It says h=10 m=58
